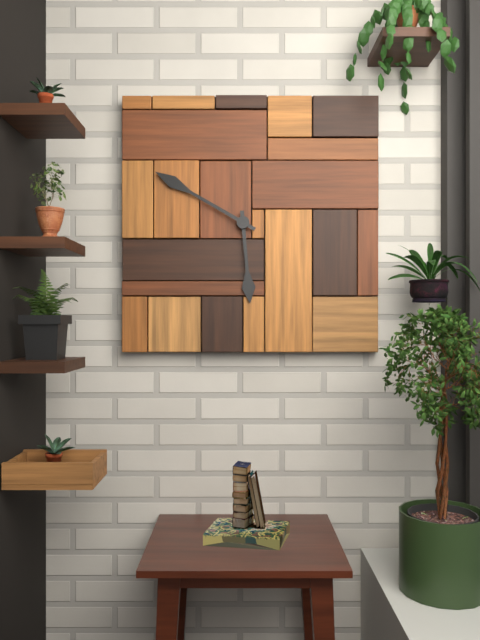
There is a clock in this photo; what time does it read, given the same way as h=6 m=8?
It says h=5 m=50
